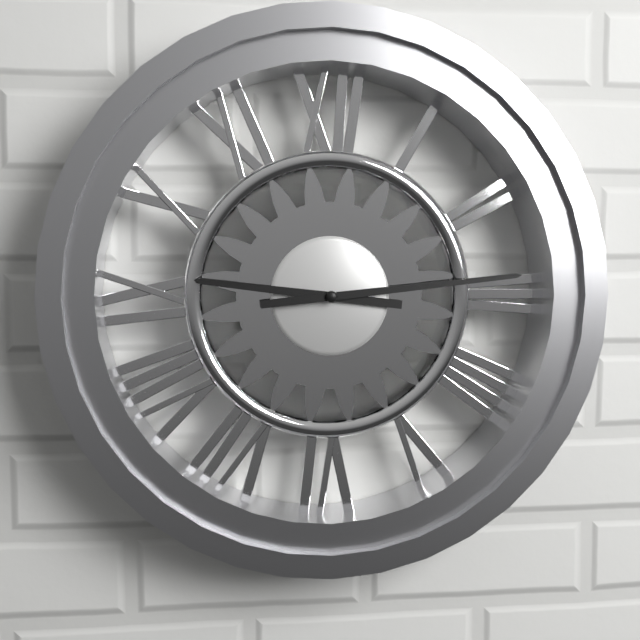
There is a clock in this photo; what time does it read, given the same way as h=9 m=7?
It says h=9 m=14
